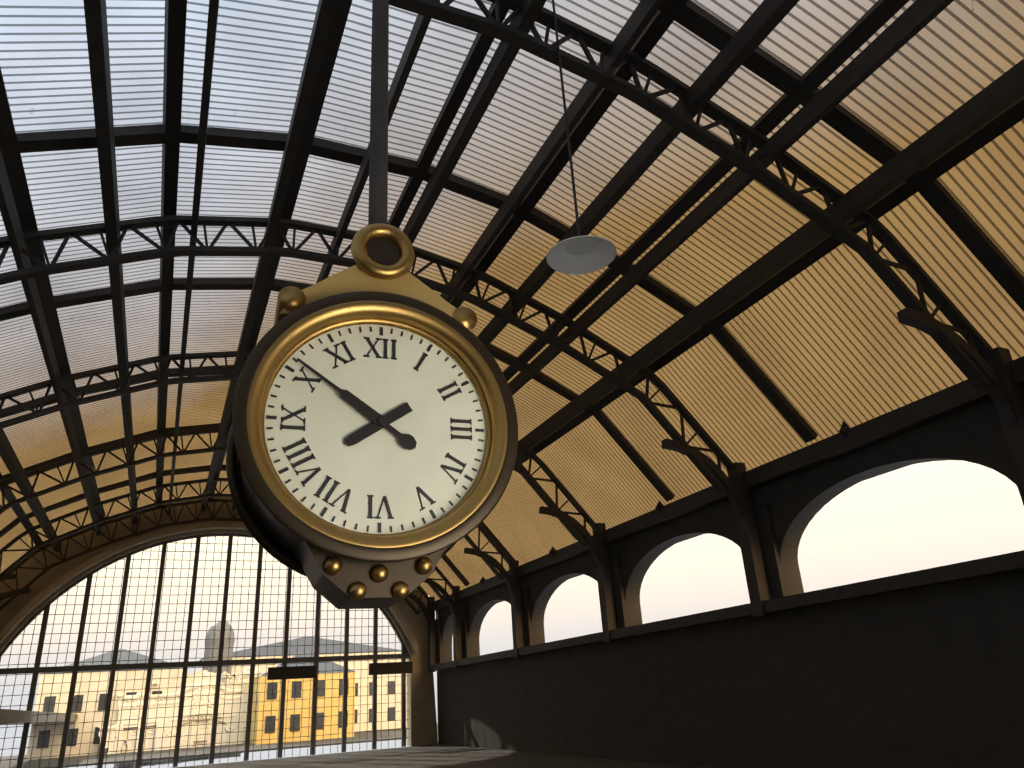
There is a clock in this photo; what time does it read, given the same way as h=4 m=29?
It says h=7 m=51
